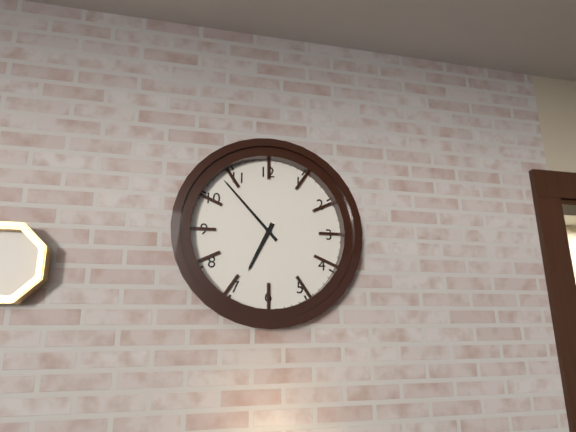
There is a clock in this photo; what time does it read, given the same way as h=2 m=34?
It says h=6 m=53
